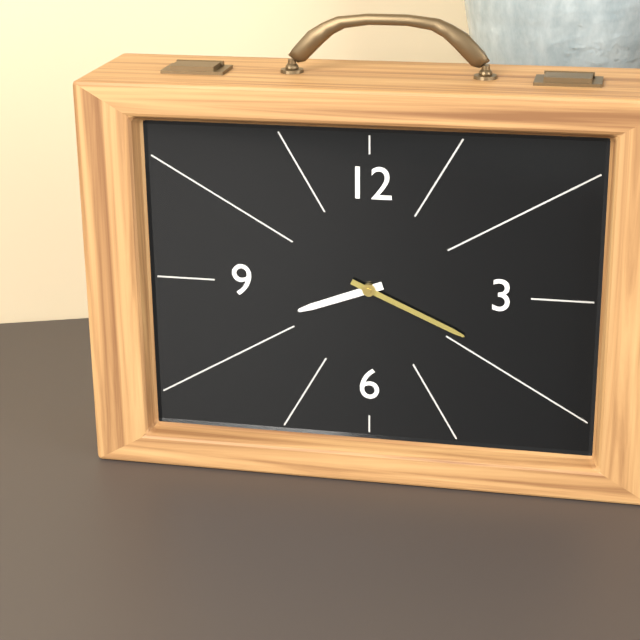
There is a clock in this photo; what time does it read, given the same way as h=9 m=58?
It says h=8 m=19
